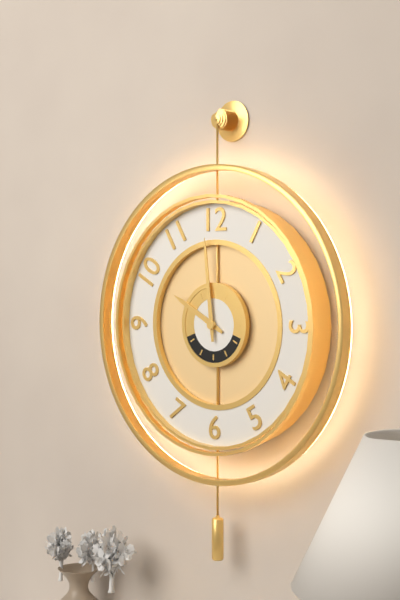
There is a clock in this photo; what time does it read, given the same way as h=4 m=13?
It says h=9 m=59
